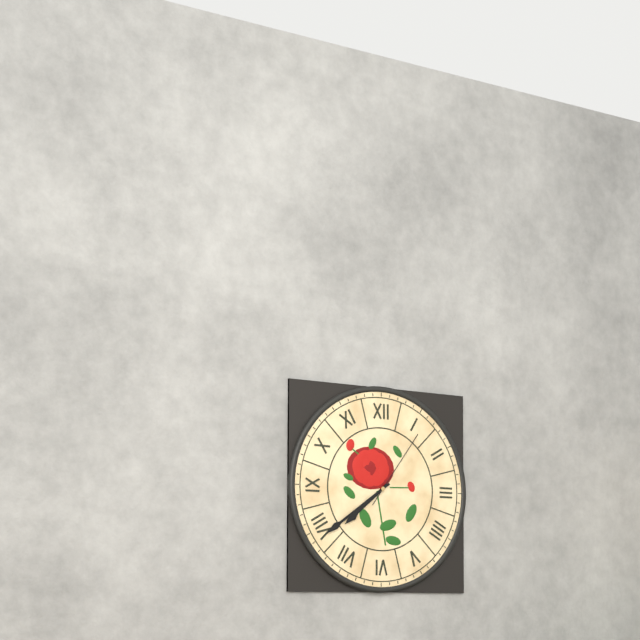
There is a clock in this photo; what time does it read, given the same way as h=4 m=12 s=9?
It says h=7 m=39 s=6
